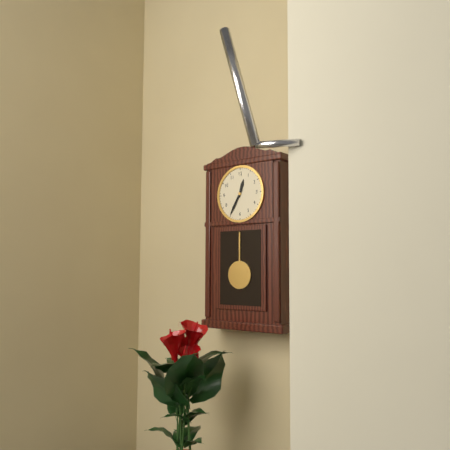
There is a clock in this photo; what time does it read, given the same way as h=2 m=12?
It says h=12 m=35
